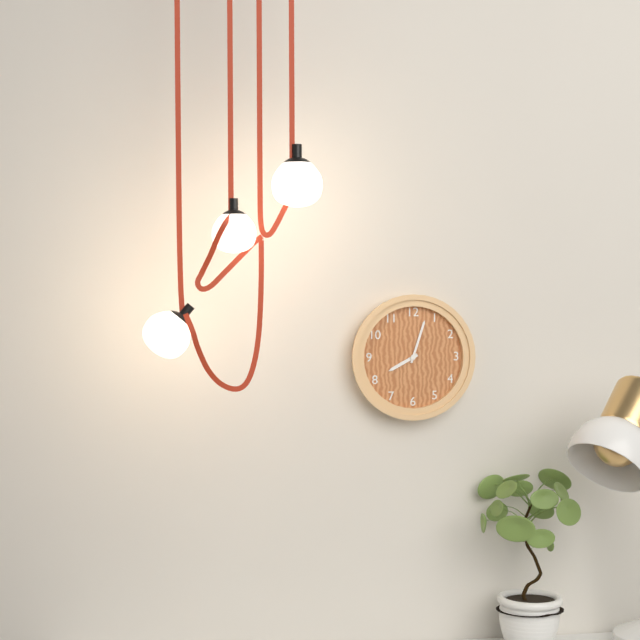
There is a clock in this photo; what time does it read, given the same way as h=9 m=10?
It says h=8 m=3
